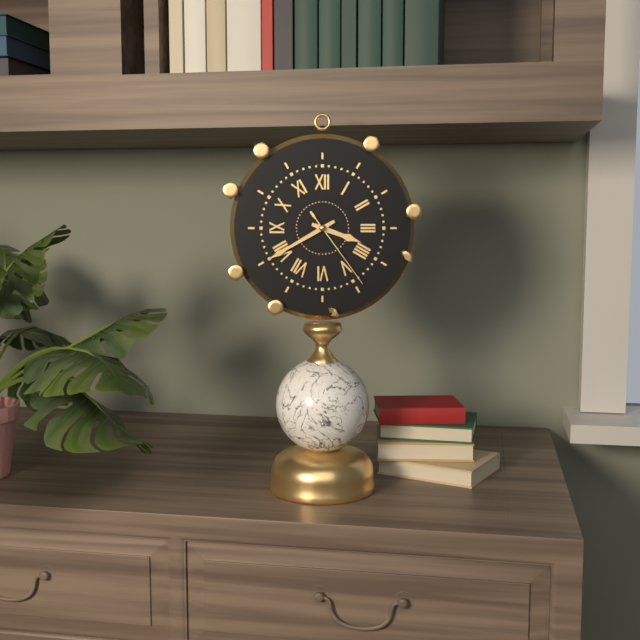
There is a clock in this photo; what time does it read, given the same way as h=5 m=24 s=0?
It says h=3 m=40 s=24
